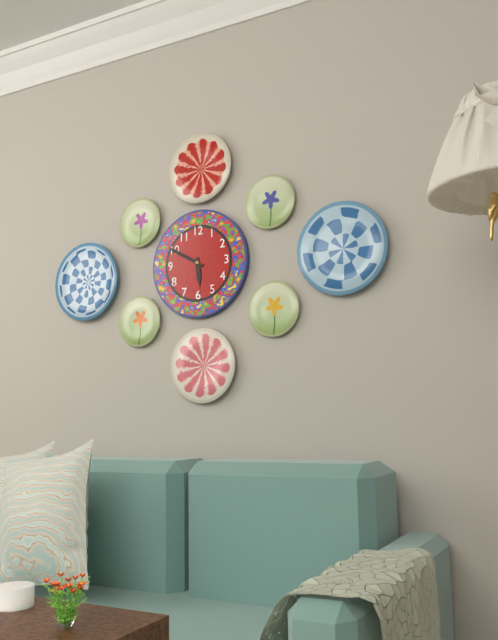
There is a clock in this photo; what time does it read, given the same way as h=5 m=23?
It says h=5 m=50
